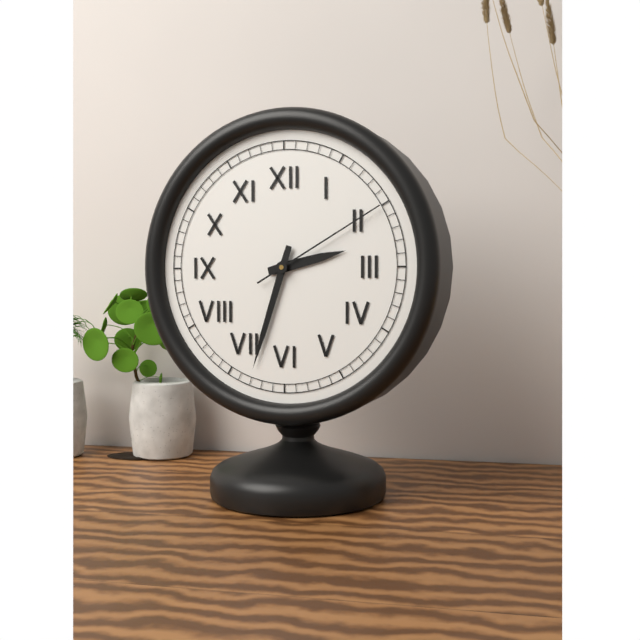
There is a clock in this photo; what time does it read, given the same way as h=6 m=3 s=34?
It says h=2 m=33 s=10
